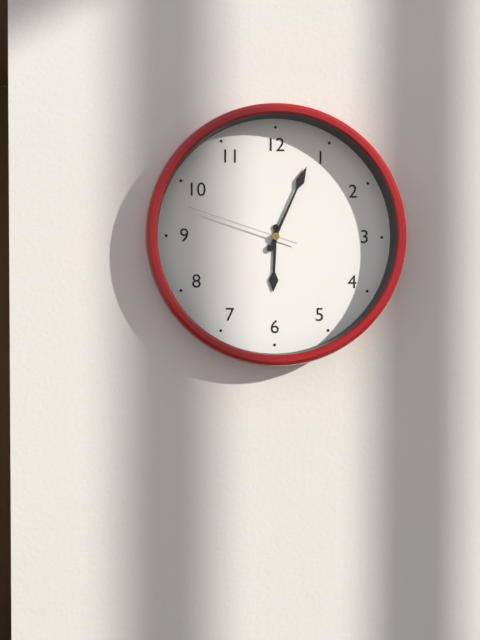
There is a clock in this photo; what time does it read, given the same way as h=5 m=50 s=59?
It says h=6 m=4 s=48
